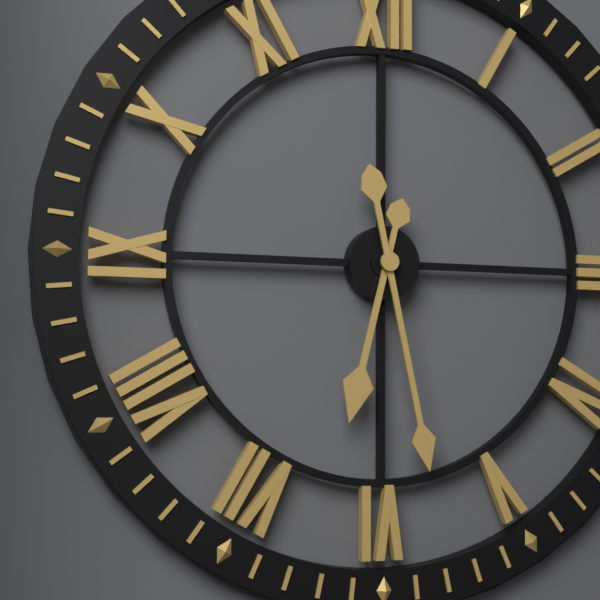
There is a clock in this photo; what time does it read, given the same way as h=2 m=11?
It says h=6 m=28
